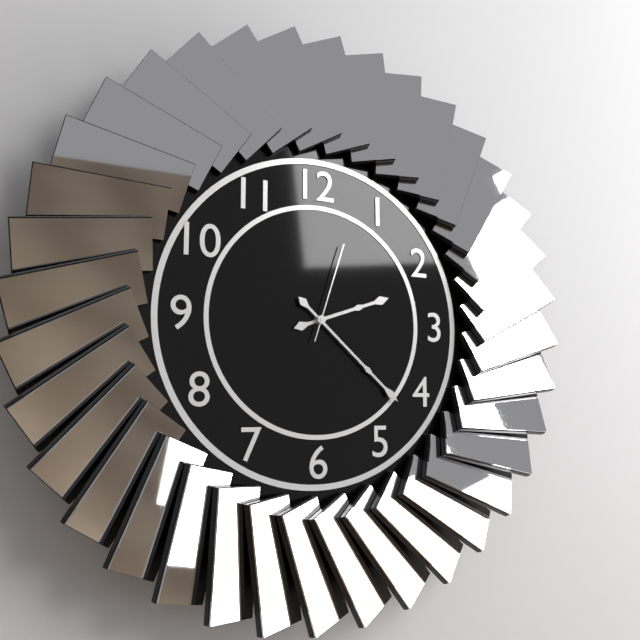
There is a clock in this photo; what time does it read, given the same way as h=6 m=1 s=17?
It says h=2 m=22 s=3
